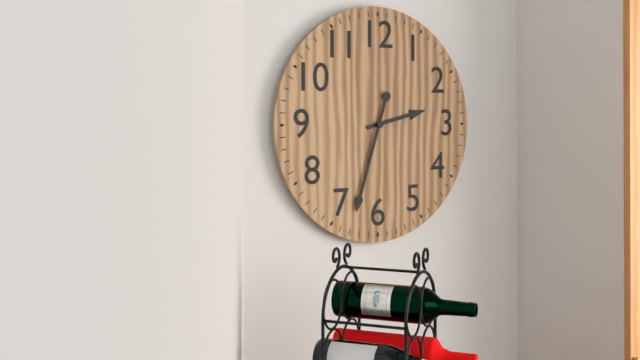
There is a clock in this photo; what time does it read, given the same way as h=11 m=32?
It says h=2 m=33
